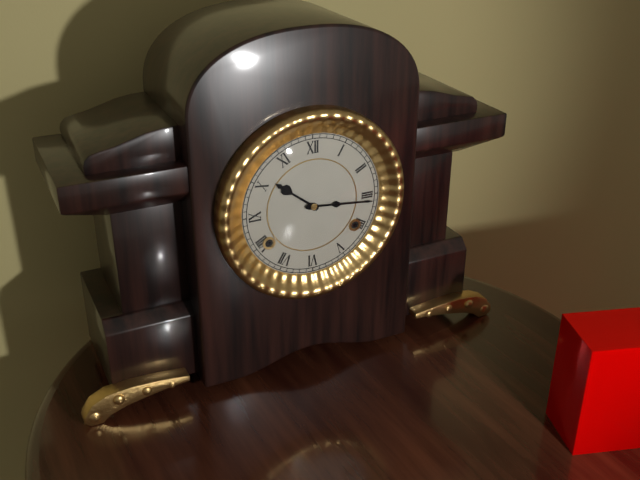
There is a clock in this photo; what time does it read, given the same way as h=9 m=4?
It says h=10 m=16
